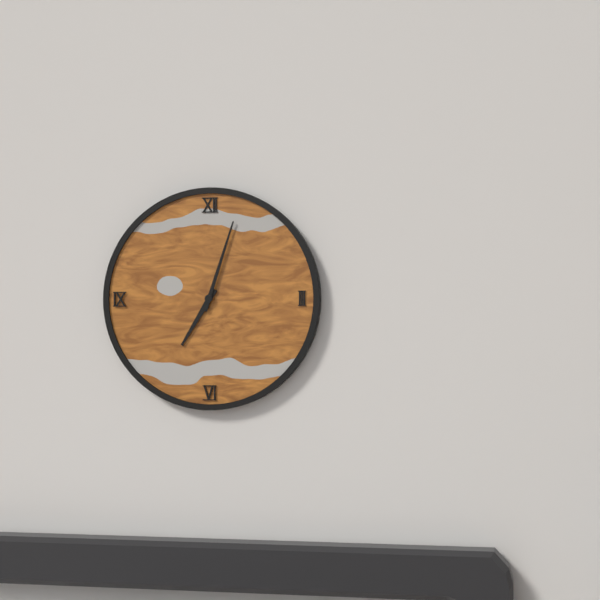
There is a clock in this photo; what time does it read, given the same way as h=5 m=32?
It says h=7 m=3
